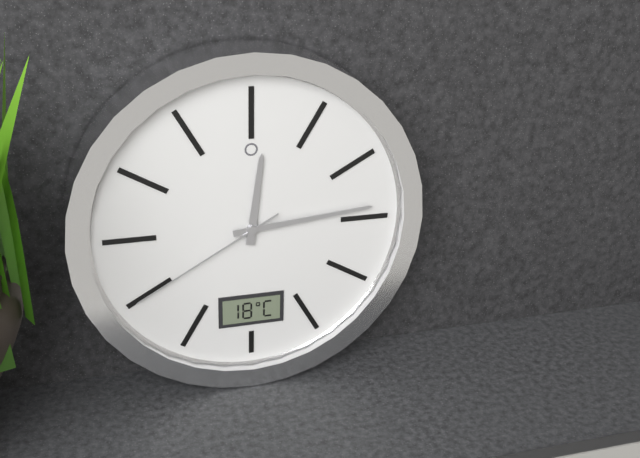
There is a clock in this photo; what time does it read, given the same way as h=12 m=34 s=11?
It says h=12 m=14 s=40
